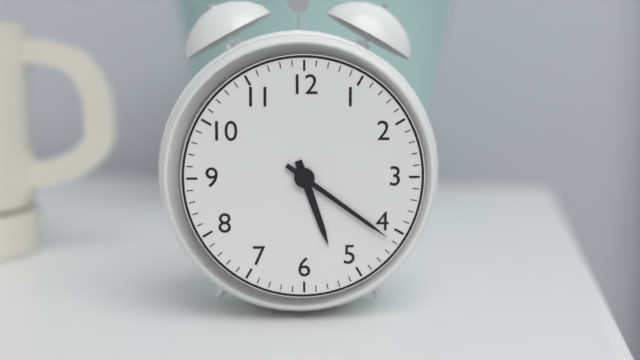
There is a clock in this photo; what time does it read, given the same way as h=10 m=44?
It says h=5 m=21
